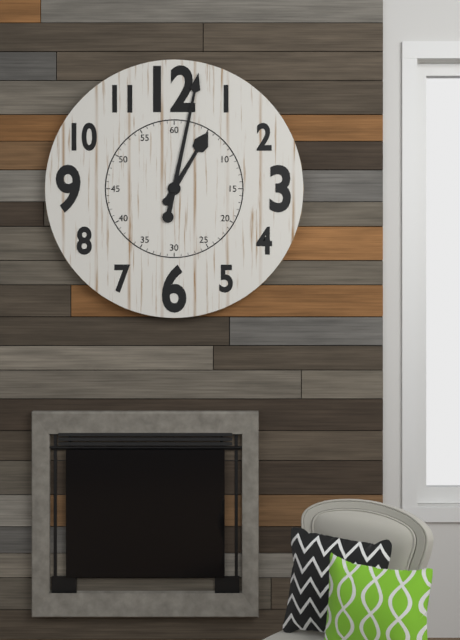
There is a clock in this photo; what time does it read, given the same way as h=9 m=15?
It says h=1 m=2
